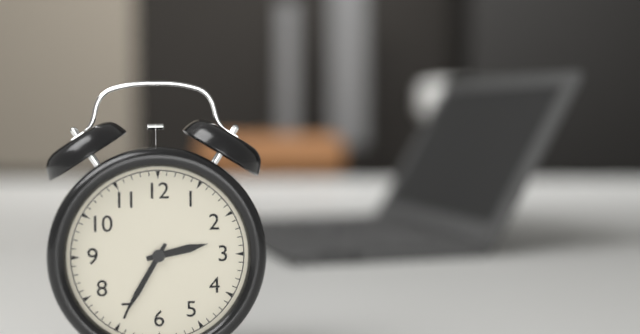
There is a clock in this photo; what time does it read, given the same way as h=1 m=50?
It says h=2 m=35
